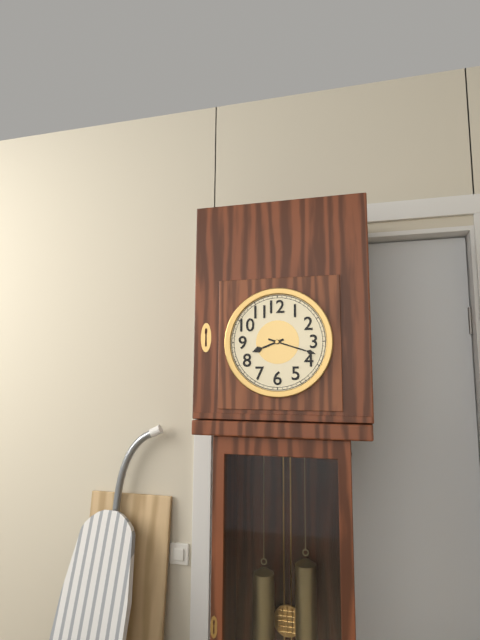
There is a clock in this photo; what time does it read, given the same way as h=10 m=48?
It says h=8 m=18
